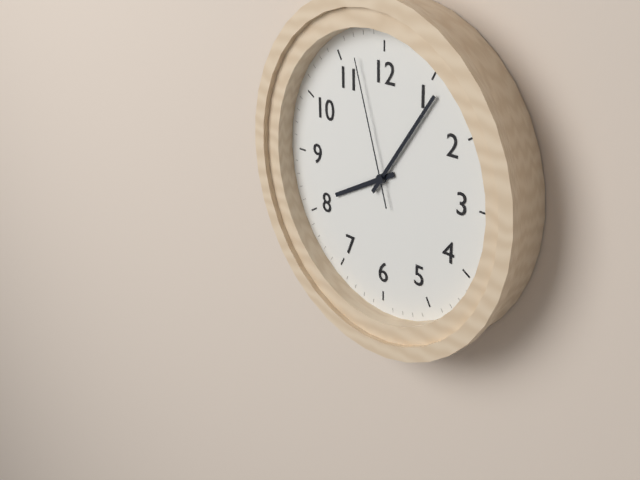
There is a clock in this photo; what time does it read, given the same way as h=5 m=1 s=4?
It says h=8 m=6 s=57
